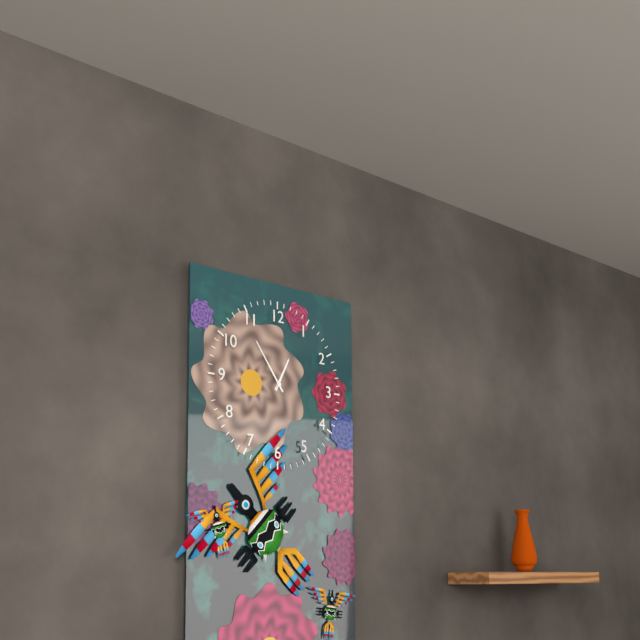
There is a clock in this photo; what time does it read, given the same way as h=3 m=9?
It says h=12 m=54
